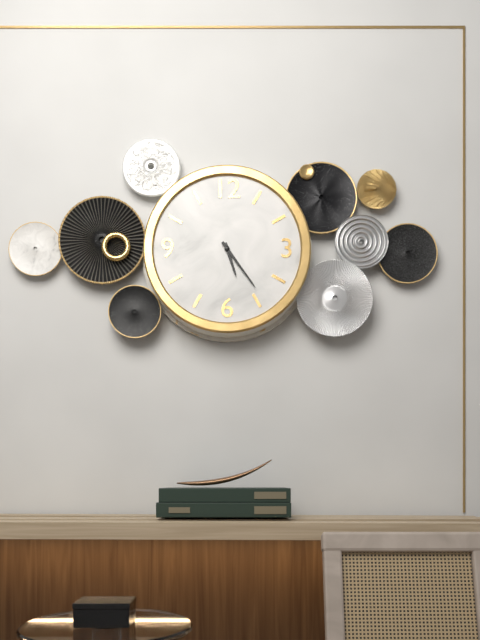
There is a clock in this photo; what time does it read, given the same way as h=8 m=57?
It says h=5 m=24
